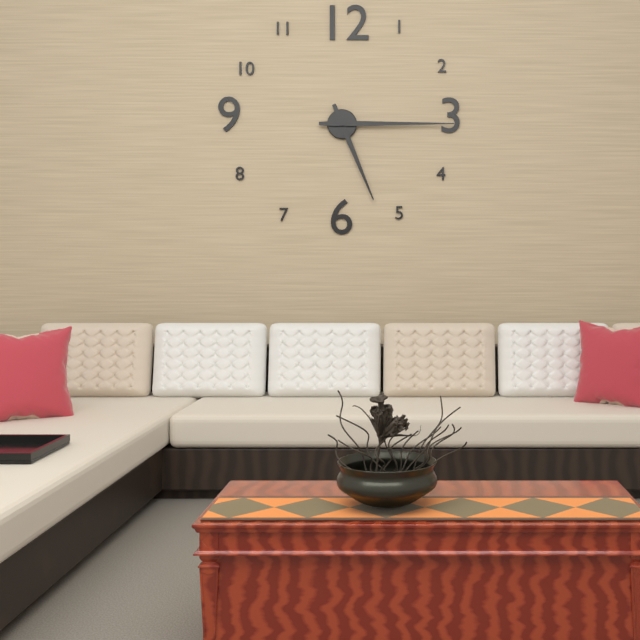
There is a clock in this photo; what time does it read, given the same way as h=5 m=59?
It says h=5 m=15
